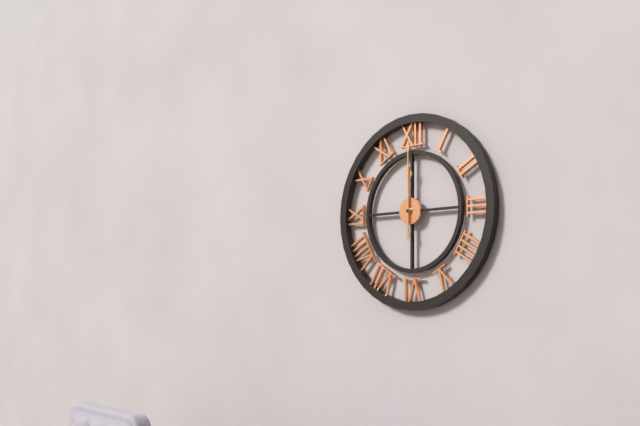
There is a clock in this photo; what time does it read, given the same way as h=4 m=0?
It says h=12 m=0
